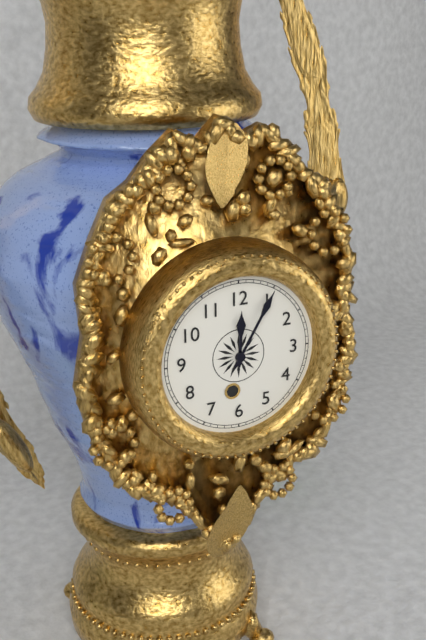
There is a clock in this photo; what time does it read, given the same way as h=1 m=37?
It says h=12 m=5
